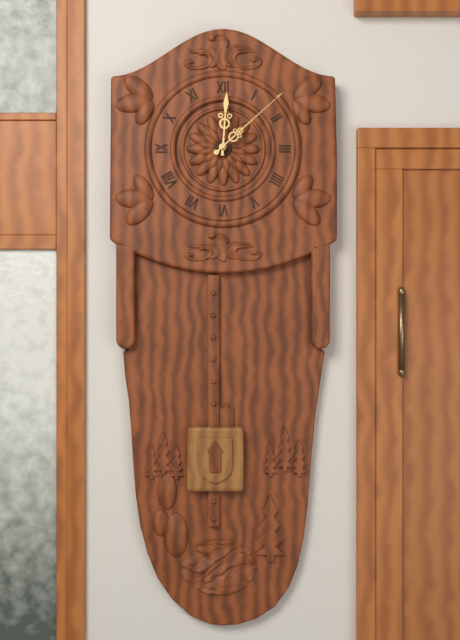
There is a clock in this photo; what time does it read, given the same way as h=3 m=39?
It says h=12 m=8
